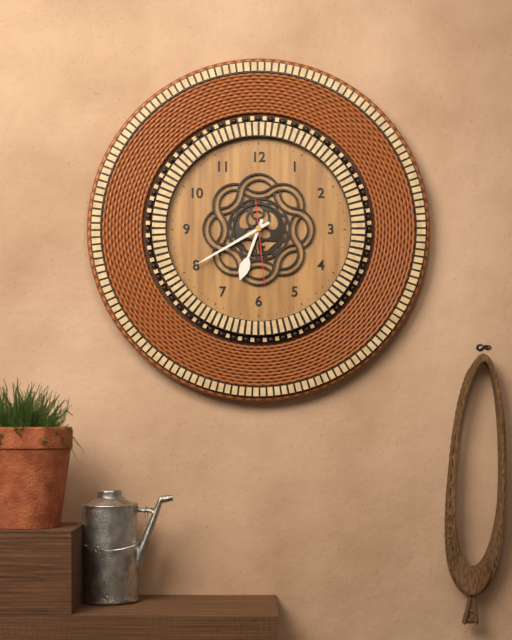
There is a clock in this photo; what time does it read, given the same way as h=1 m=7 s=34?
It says h=6 m=40 s=29
